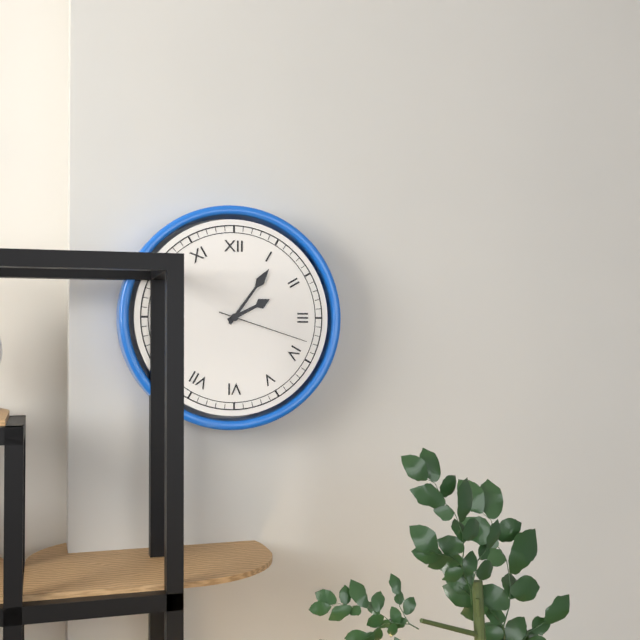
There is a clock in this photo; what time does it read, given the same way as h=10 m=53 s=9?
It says h=2 m=6 s=18
